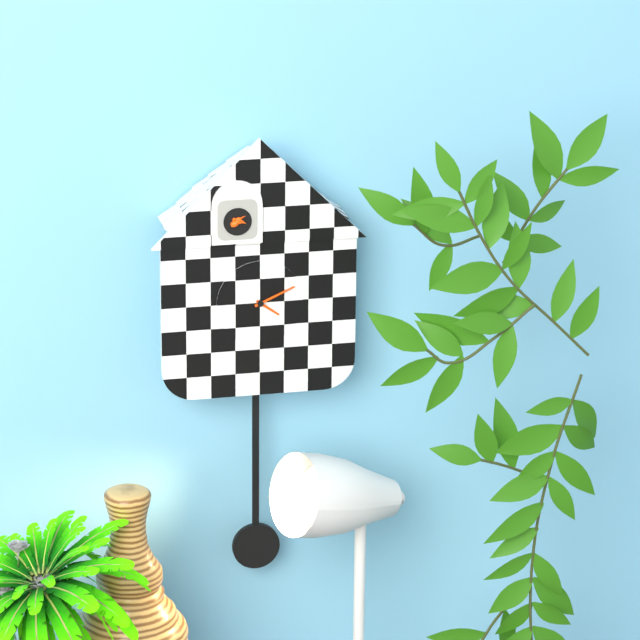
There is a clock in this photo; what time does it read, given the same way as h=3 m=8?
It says h=4 m=11
